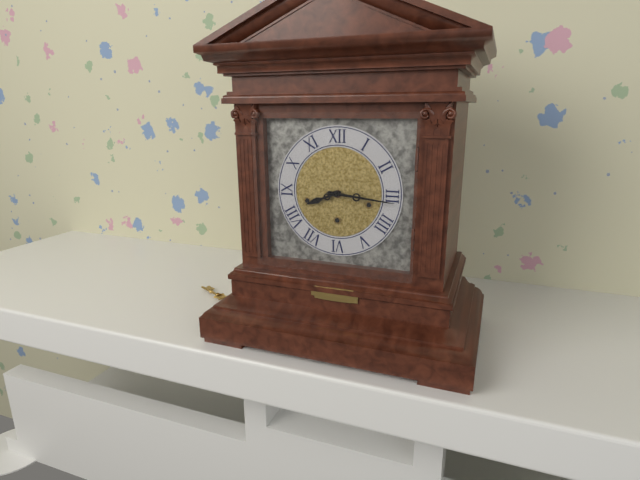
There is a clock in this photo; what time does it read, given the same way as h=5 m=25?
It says h=8 m=16
